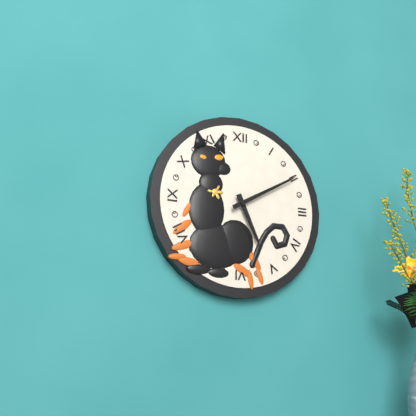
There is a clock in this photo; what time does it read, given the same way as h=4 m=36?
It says h=5 m=10
